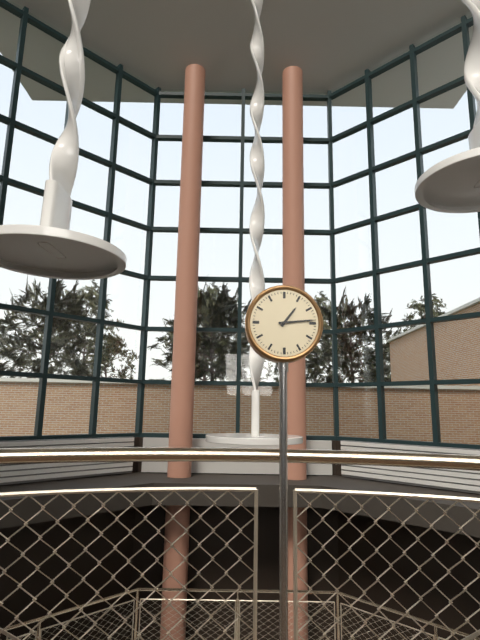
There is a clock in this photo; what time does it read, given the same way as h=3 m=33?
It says h=1 m=14
